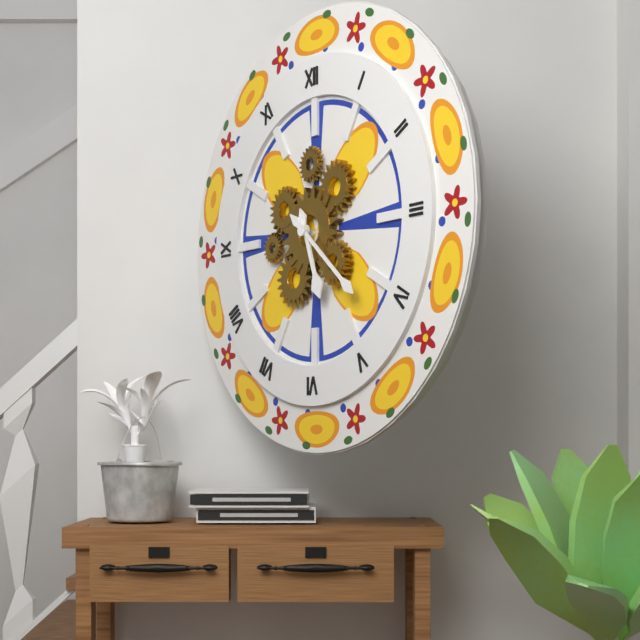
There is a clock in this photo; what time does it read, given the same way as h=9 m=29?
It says h=5 m=22
